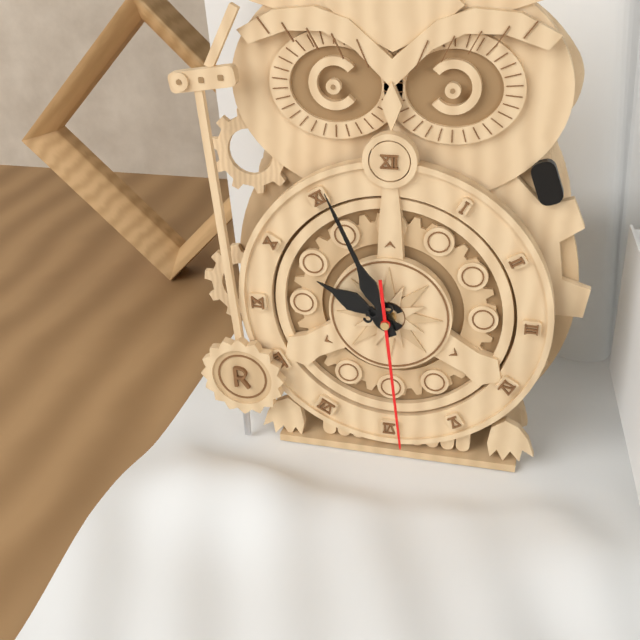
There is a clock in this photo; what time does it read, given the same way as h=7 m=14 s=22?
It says h=9 m=56 s=29
